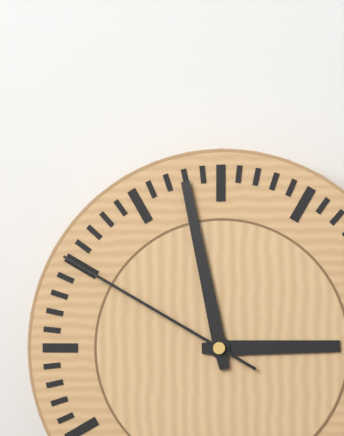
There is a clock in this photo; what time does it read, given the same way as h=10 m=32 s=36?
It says h=2 m=58 s=50
